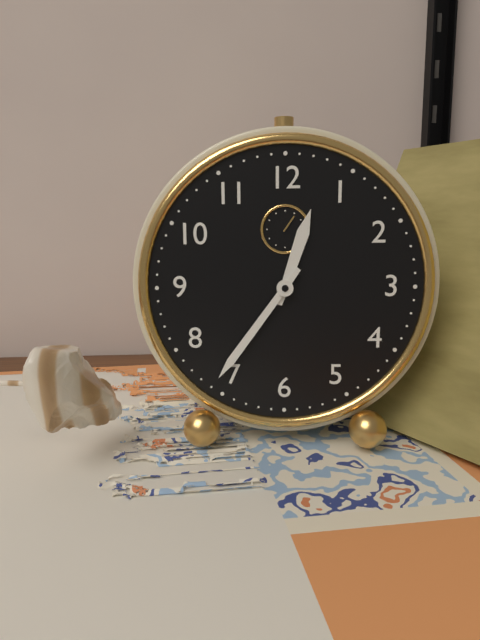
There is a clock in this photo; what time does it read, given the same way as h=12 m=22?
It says h=12 m=36
